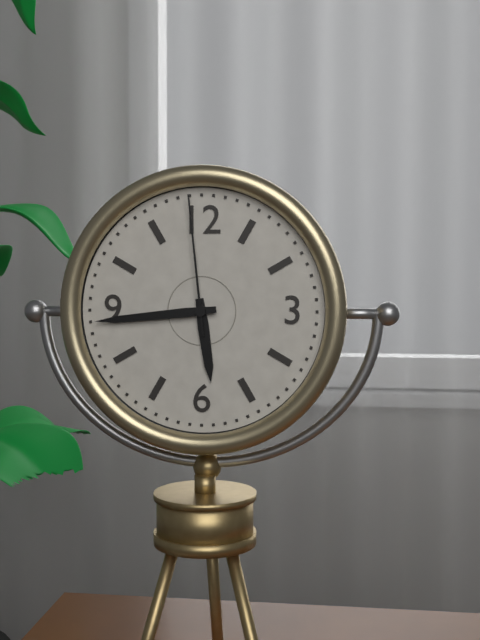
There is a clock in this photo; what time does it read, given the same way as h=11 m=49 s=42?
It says h=5 m=44 s=59
